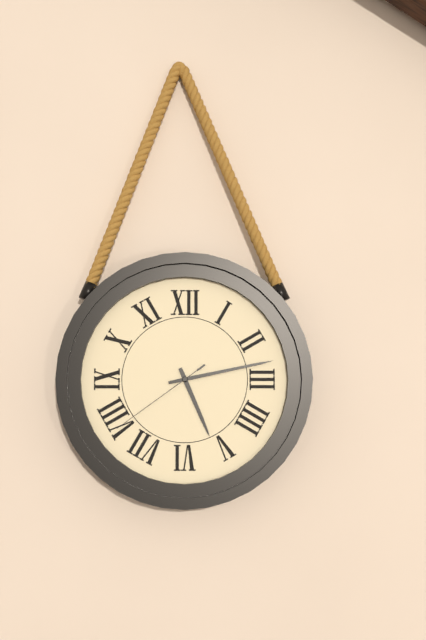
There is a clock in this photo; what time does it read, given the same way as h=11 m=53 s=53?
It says h=5 m=13 s=39
